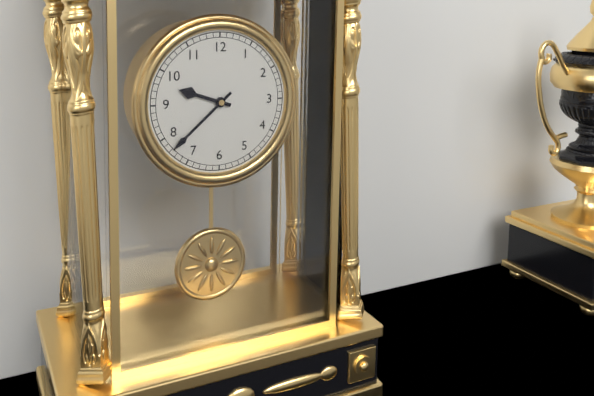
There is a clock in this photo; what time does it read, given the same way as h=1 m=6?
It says h=9 m=38
